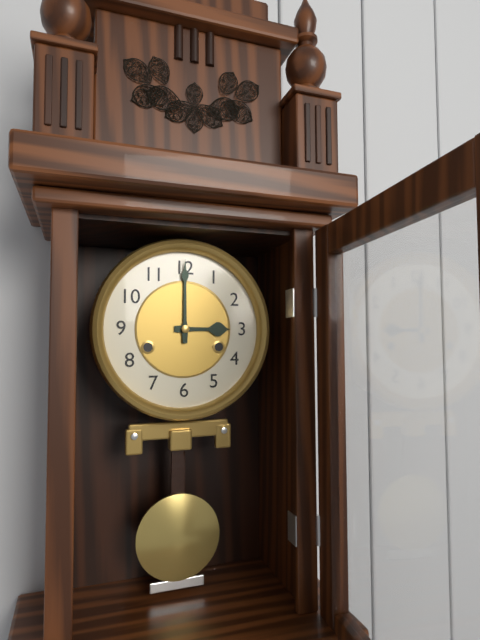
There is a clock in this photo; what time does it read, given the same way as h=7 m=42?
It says h=3 m=0
